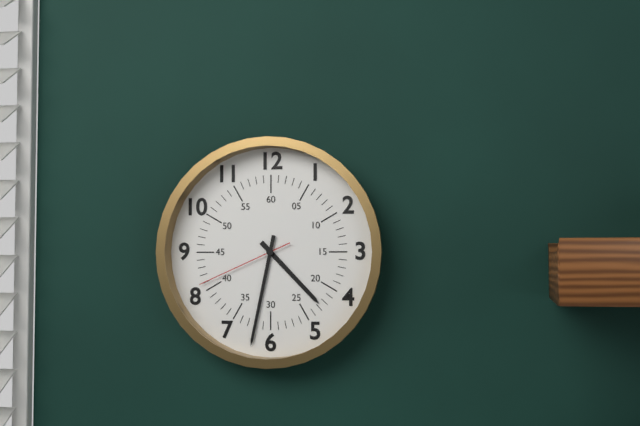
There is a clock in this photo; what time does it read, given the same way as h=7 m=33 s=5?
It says h=4 m=32 s=41
